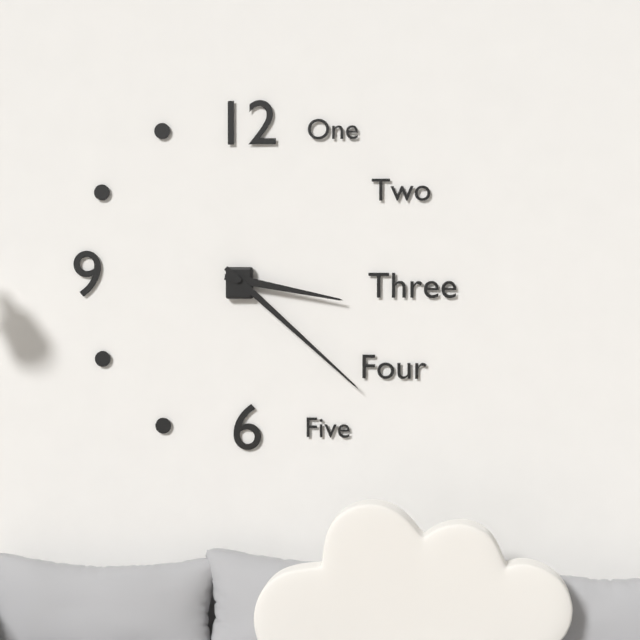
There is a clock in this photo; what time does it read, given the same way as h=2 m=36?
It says h=3 m=22
